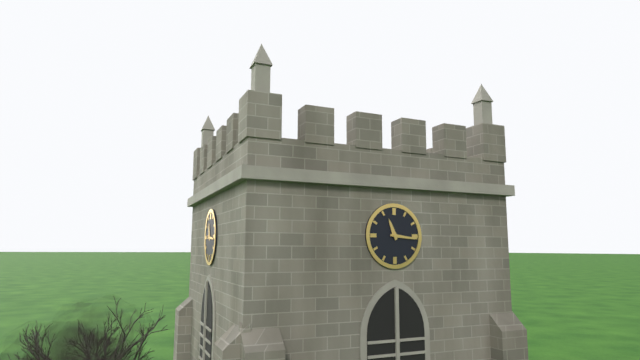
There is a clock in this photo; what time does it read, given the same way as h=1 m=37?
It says h=11 m=16
